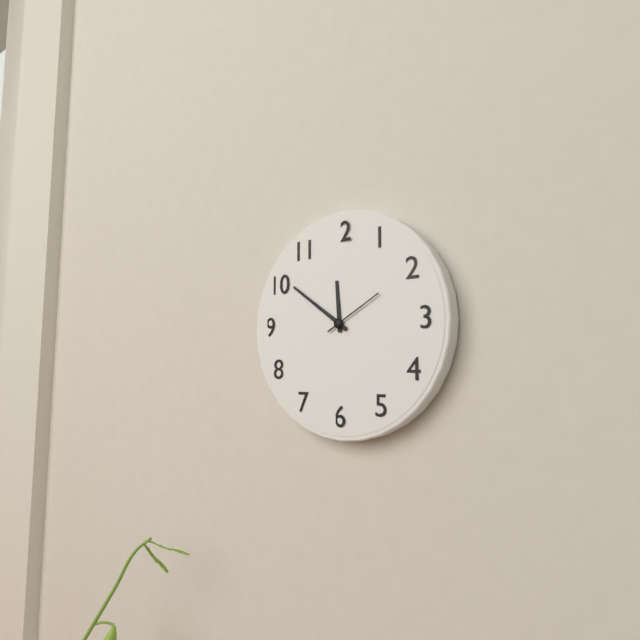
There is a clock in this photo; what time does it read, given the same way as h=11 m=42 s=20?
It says h=11 m=51 s=10
